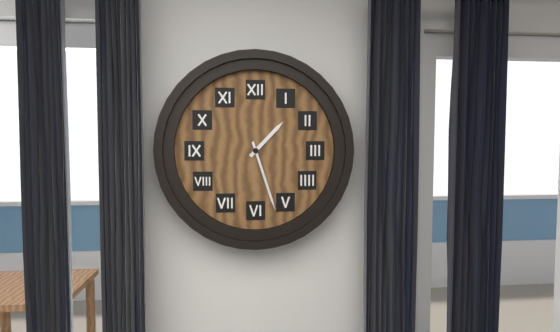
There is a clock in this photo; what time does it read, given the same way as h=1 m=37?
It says h=1 m=27
